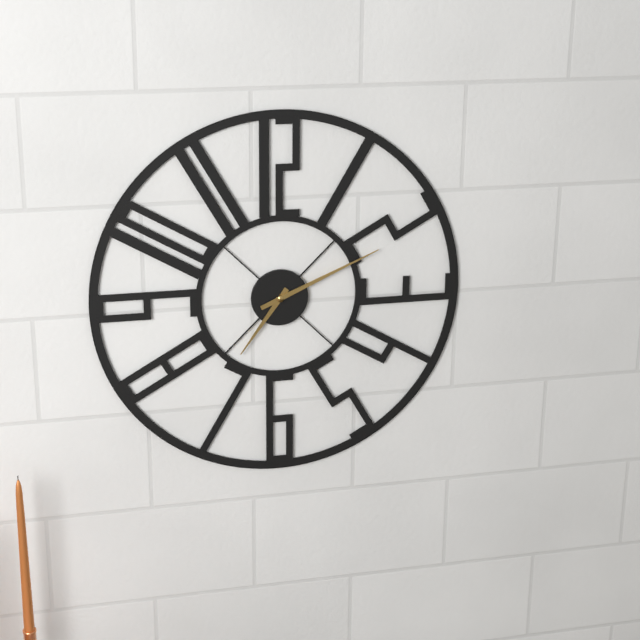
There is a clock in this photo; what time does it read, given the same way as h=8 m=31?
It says h=7 m=11
